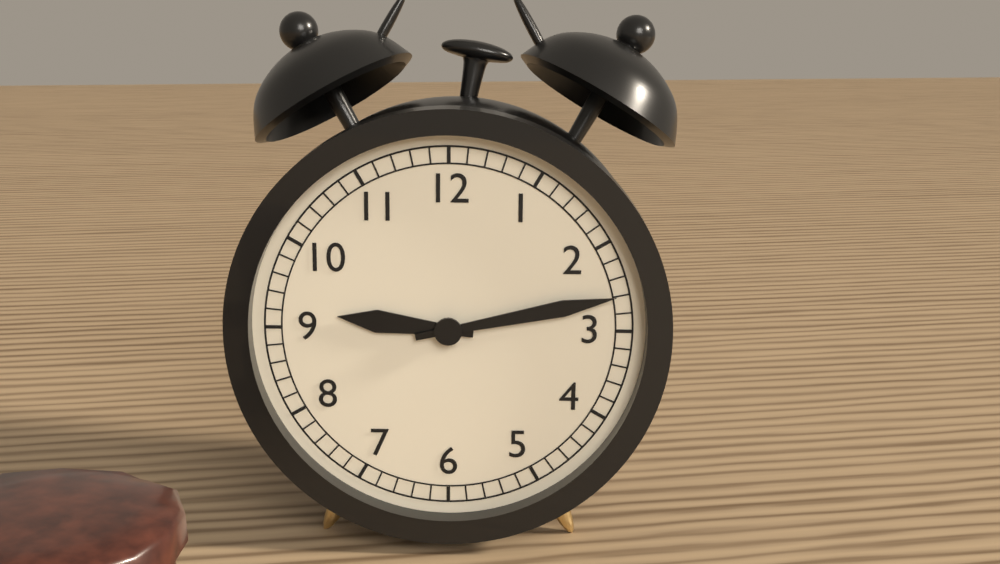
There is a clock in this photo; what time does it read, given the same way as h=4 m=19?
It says h=9 m=13
